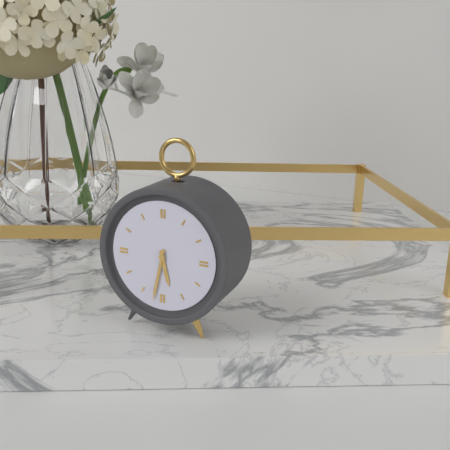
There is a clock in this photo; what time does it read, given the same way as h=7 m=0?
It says h=5 m=32
